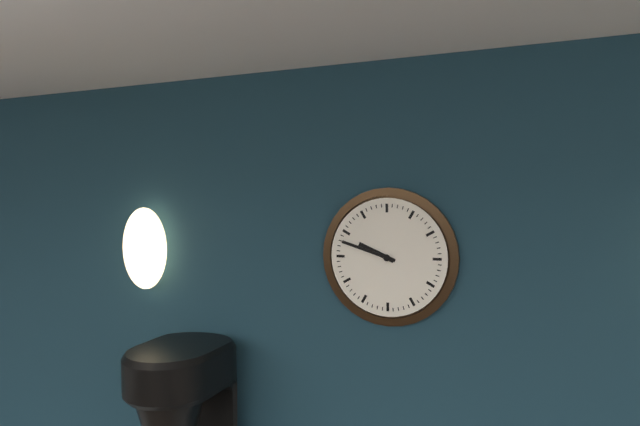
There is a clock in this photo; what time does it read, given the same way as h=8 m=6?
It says h=9 m=48
